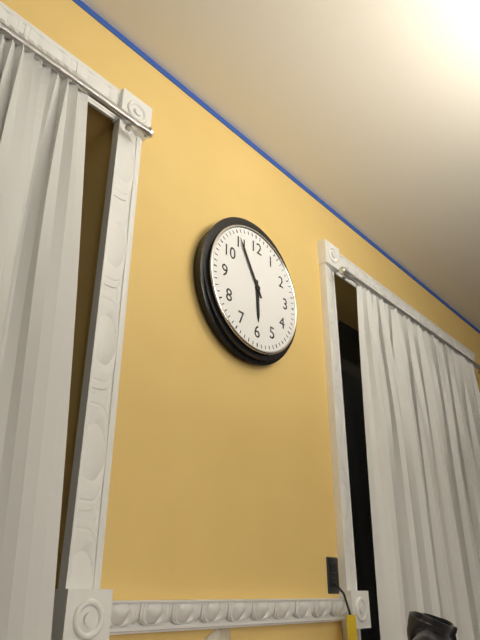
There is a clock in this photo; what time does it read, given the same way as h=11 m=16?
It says h=5 m=55
